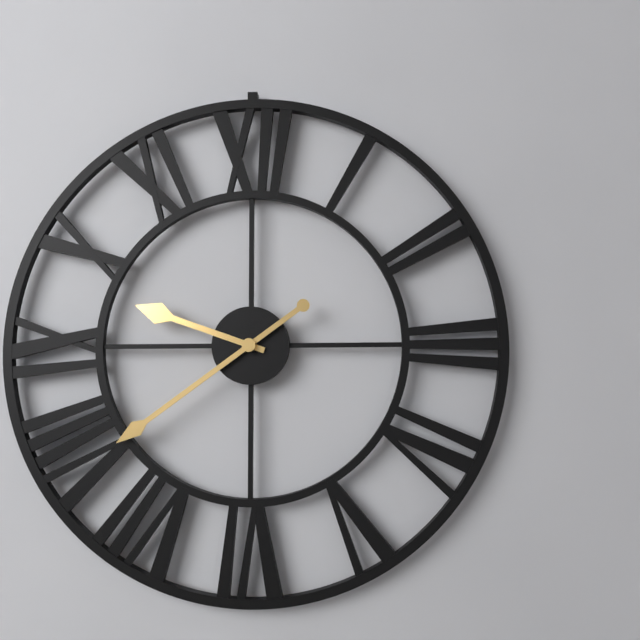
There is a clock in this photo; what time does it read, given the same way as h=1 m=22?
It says h=9 m=39
